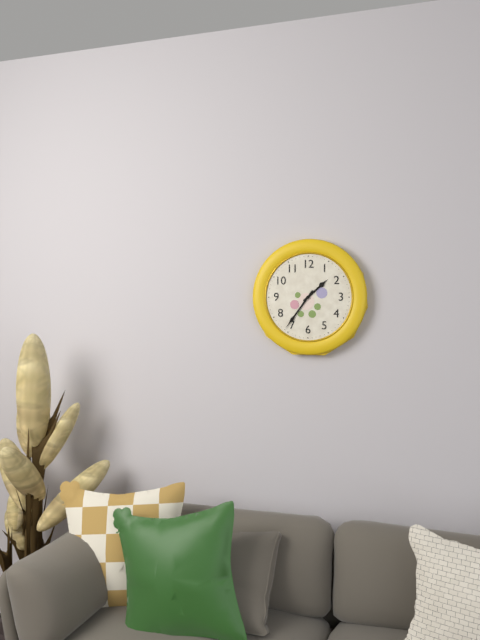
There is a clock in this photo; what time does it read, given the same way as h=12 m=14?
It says h=1 m=36
